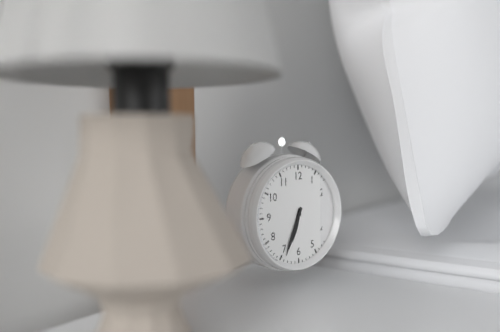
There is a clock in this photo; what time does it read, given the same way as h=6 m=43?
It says h=6 m=34
